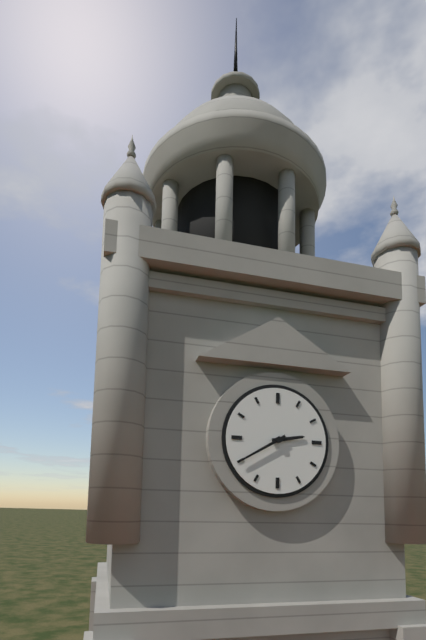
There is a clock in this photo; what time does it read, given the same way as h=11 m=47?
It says h=2 m=40
